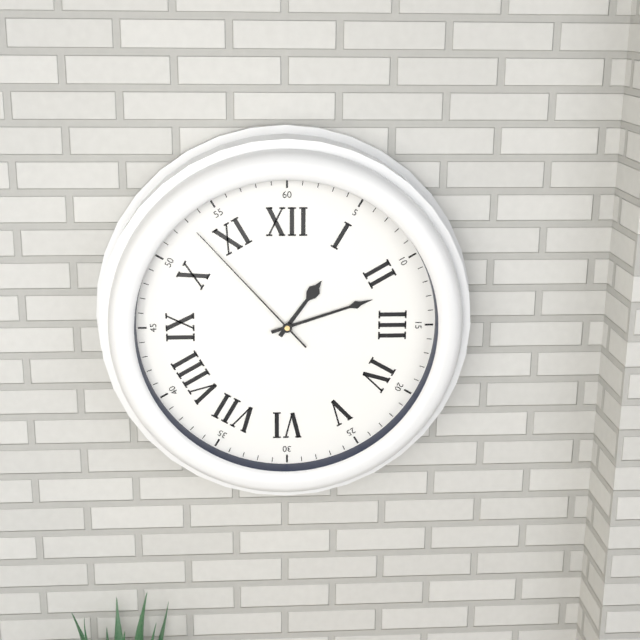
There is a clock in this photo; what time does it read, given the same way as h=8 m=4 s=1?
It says h=1 m=12 s=53
